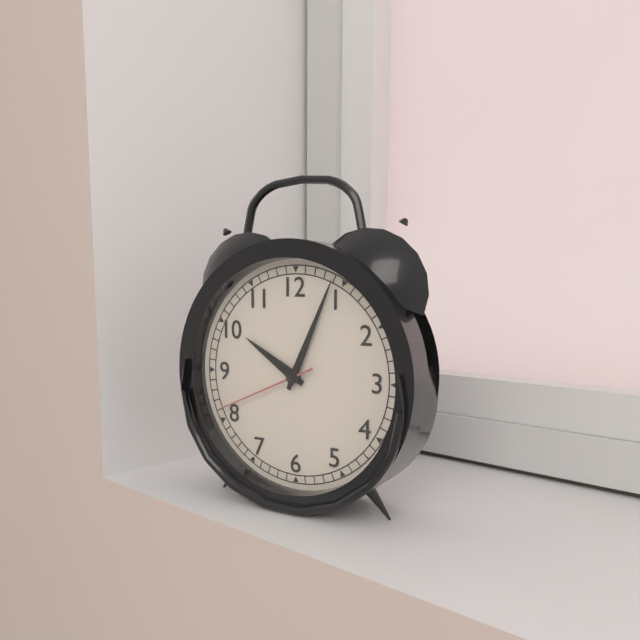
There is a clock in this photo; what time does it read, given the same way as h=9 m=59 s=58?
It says h=10 m=4 s=41
